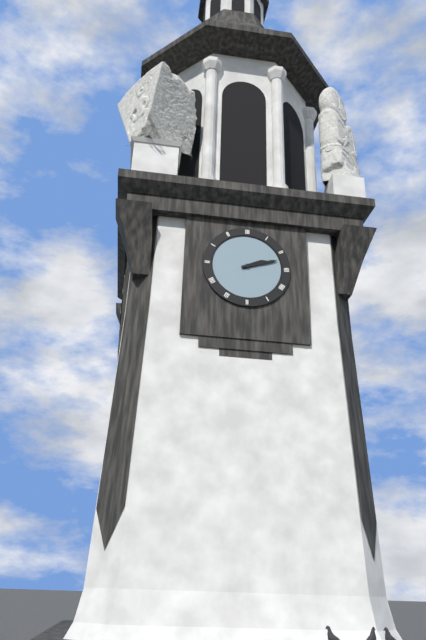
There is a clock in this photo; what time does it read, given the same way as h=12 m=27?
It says h=2 m=12
